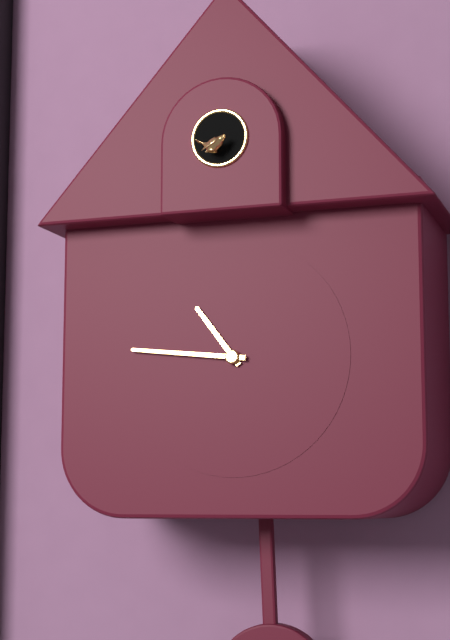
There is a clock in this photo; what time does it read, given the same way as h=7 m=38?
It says h=10 m=46
